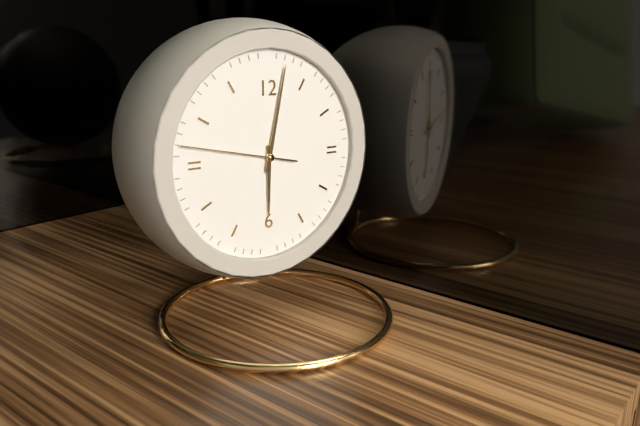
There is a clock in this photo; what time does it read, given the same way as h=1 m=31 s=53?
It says h=6 m=2 s=47
